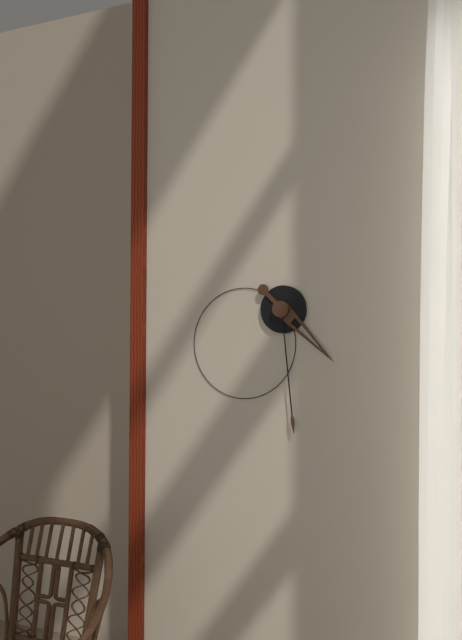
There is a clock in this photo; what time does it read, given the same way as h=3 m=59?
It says h=4 m=29
